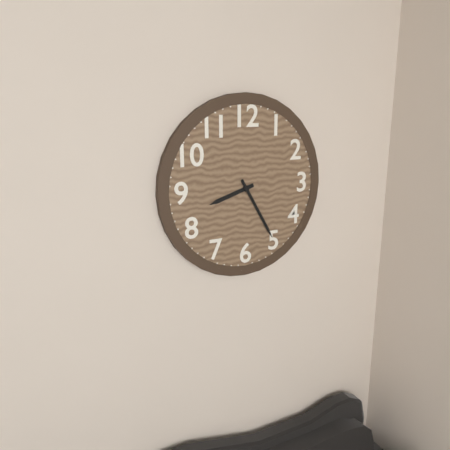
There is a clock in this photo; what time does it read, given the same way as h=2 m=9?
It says h=8 m=25
